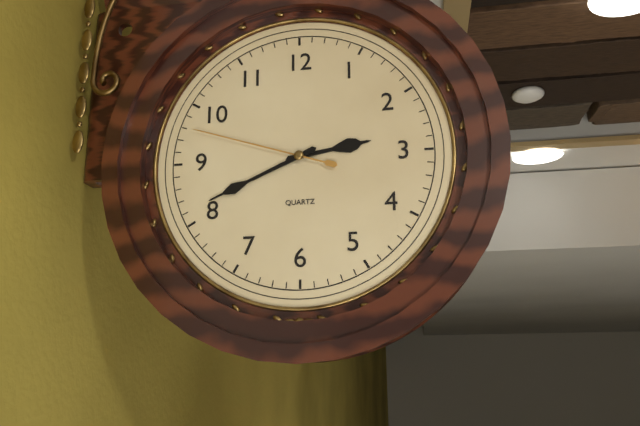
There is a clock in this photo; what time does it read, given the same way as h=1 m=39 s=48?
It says h=2 m=41 s=48
